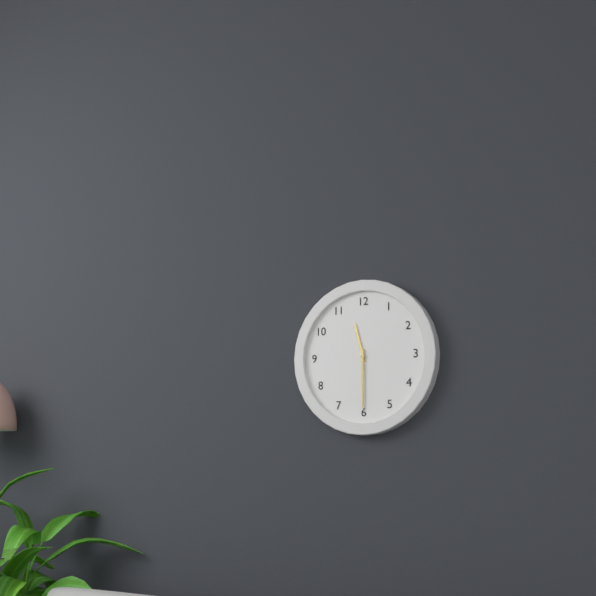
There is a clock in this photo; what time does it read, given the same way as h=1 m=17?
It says h=11 m=30
